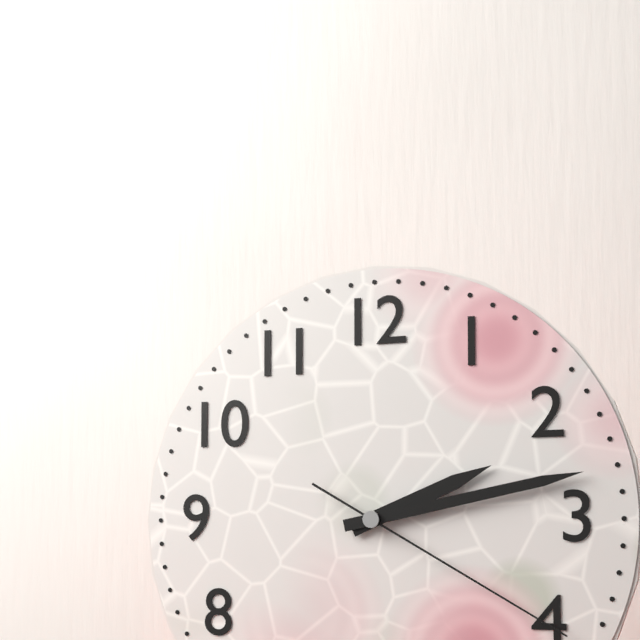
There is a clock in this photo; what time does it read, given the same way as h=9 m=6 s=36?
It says h=2 m=13 s=20
